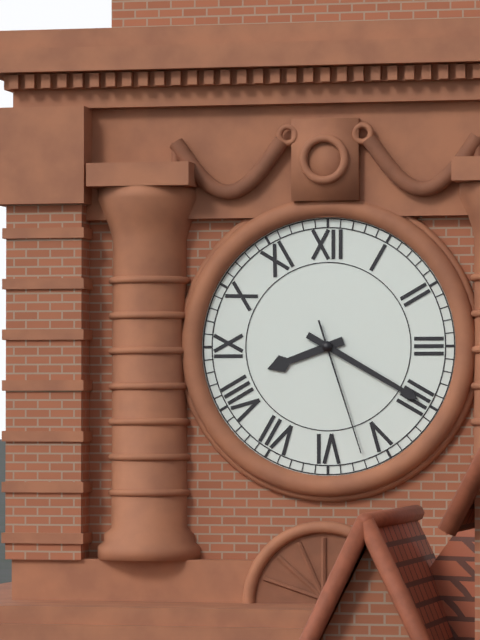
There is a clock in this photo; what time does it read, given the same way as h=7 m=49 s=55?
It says h=8 m=20 s=27
